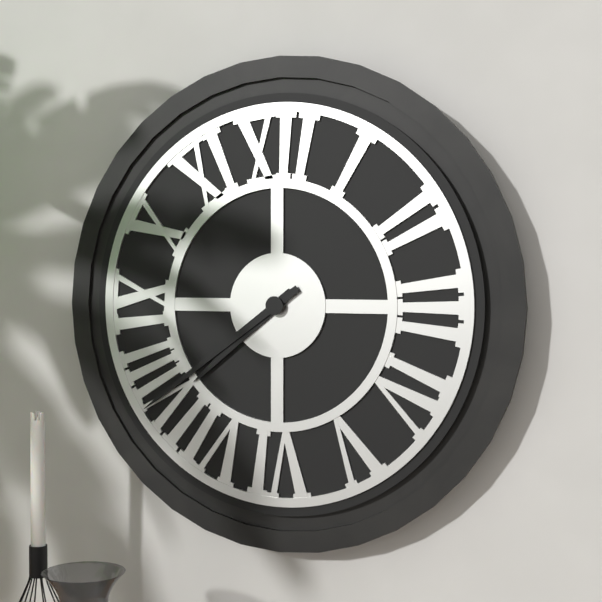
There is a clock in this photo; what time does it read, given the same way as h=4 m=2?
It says h=7 m=39
